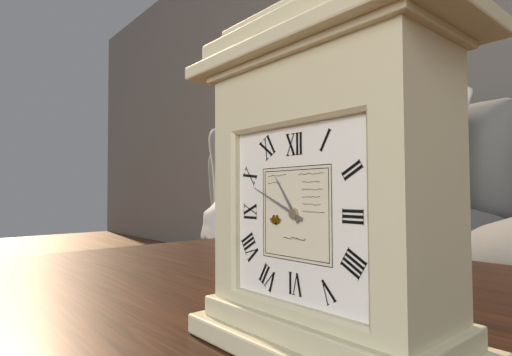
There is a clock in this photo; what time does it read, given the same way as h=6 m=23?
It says h=10 m=49
